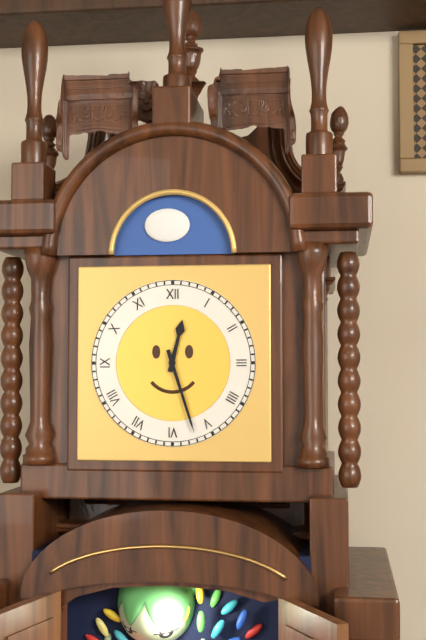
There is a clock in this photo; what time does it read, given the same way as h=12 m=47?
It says h=12 m=27
